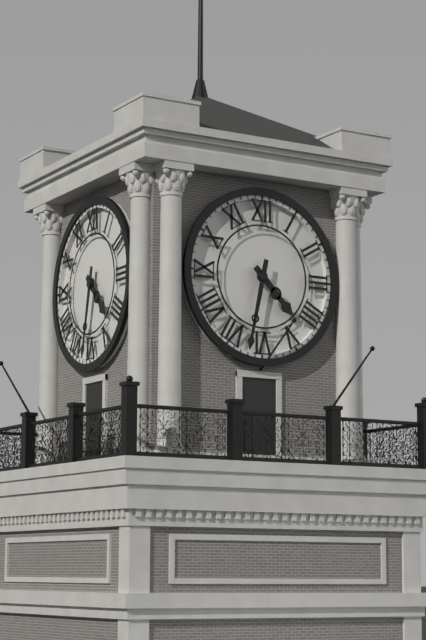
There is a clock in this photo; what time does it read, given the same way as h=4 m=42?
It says h=4 m=32
